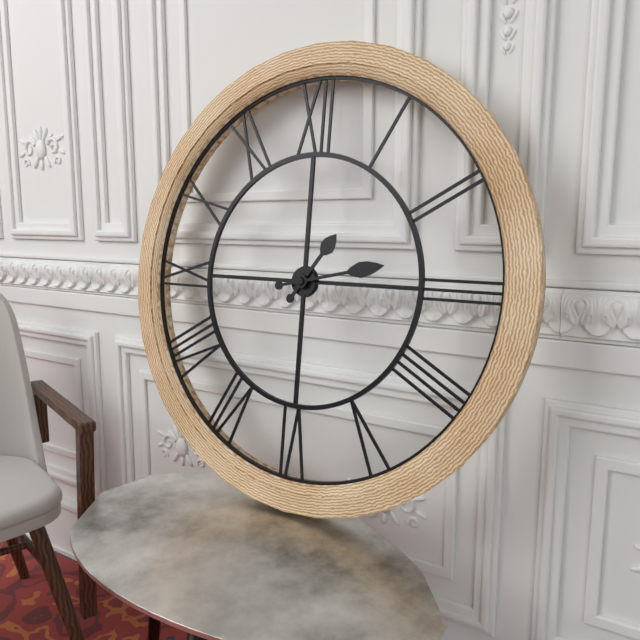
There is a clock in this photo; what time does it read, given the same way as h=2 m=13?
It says h=1 m=13
